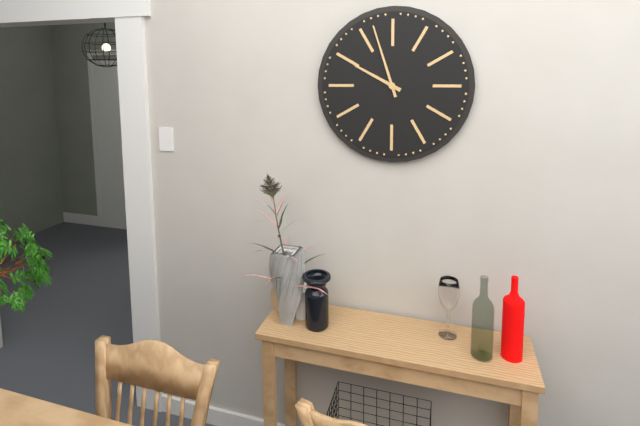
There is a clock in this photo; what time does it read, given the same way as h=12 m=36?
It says h=9 m=57
